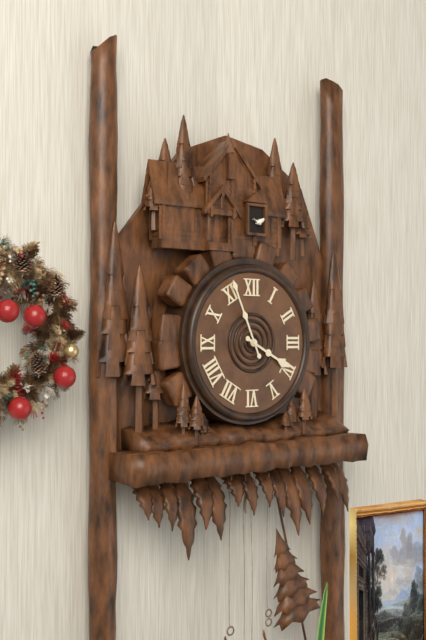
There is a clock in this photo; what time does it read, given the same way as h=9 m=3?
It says h=3 m=56
